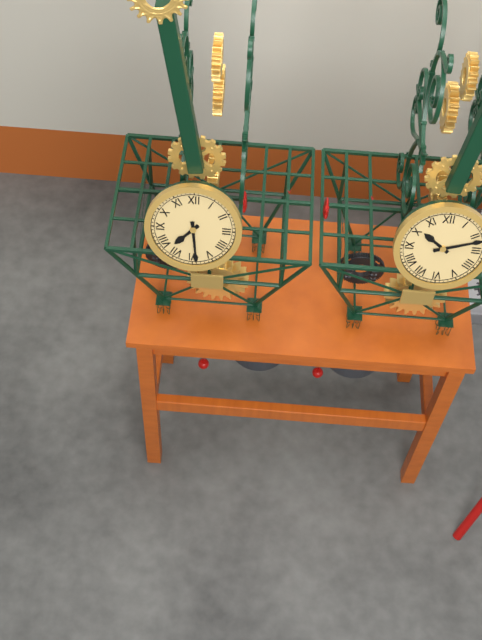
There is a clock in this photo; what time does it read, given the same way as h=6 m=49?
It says h=7 m=29
